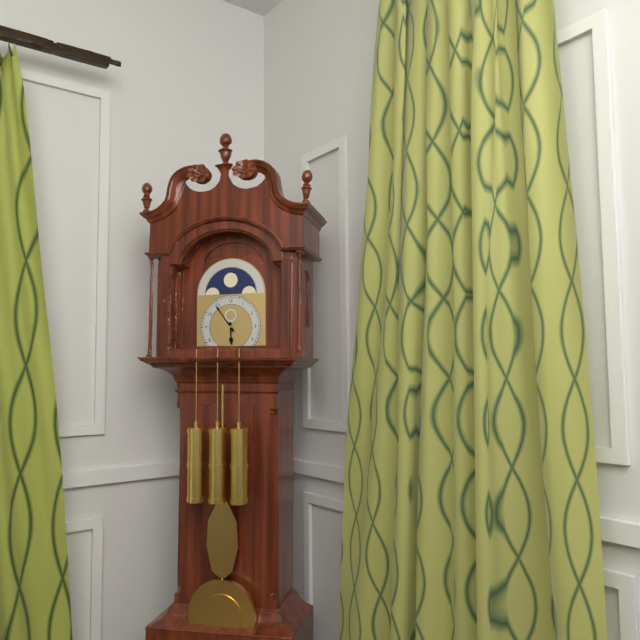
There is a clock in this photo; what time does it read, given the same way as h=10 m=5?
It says h=5 m=54
